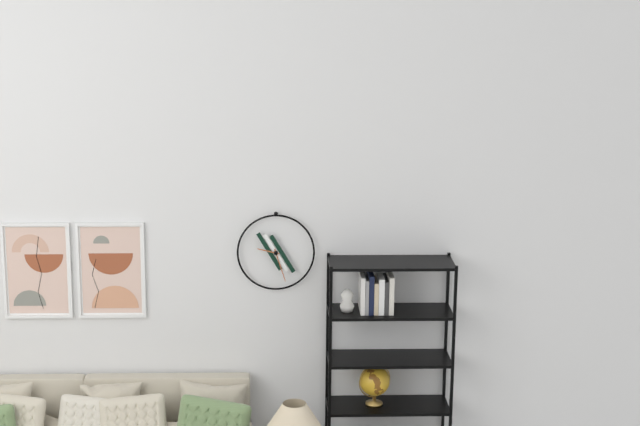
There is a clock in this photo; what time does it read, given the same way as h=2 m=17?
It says h=9 m=27
